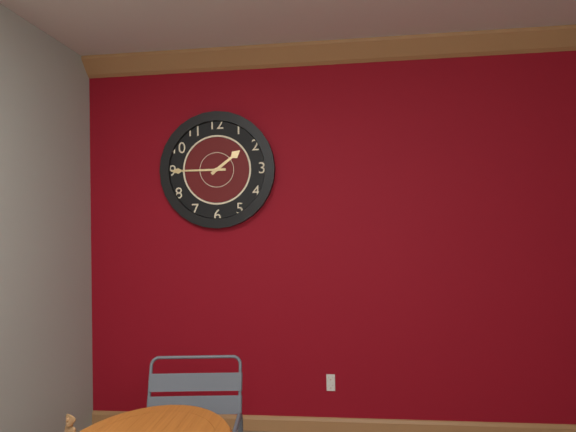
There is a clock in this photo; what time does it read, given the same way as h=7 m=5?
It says h=1 m=45
